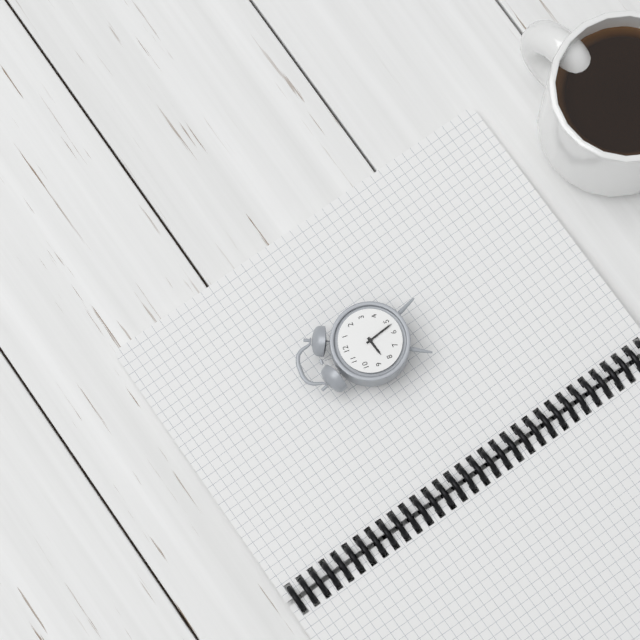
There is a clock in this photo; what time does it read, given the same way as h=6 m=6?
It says h=8 m=27
